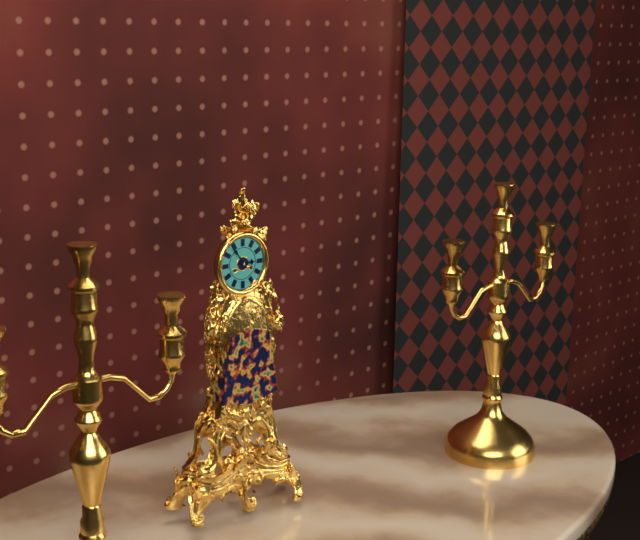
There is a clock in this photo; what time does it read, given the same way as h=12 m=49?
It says h=2 m=54
